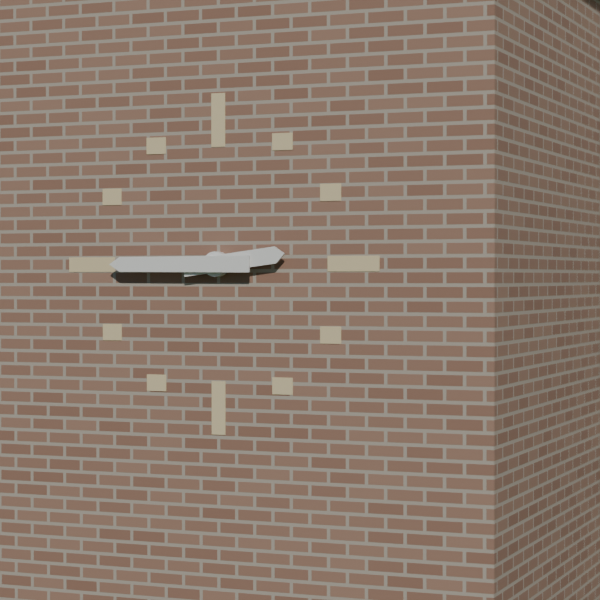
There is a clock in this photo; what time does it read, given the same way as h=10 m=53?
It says h=2 m=45
